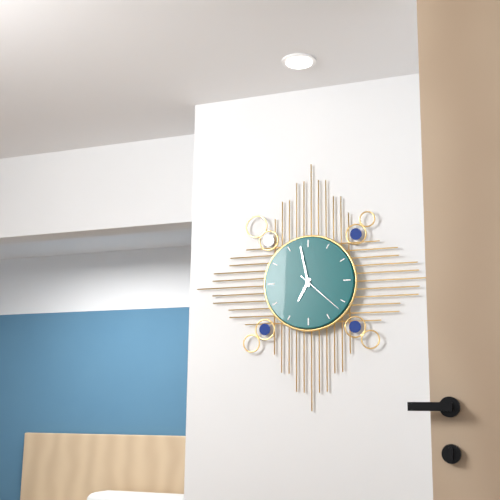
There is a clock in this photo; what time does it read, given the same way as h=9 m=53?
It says h=6 m=58
